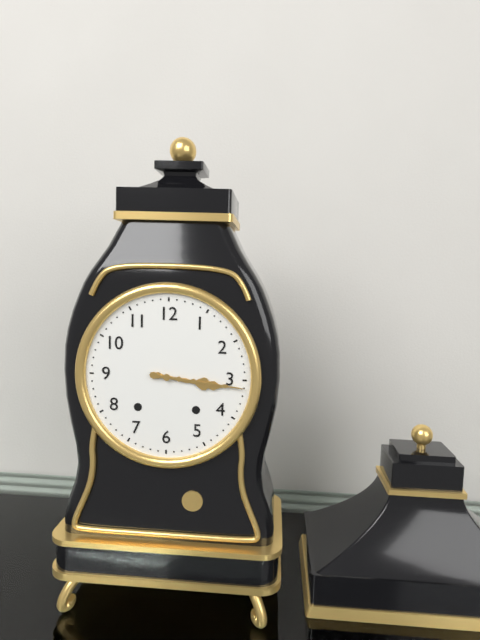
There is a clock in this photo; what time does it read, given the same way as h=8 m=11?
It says h=3 m=16
